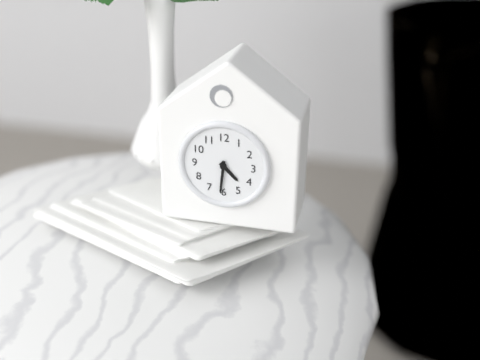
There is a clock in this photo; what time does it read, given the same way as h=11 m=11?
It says h=4 m=31
